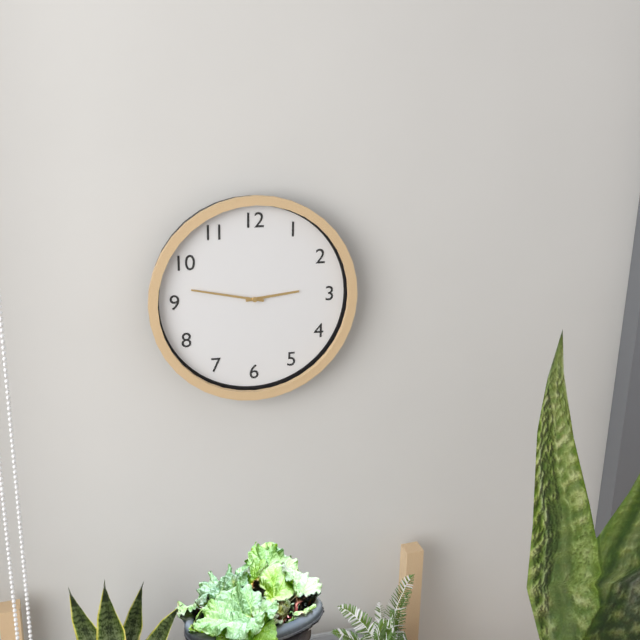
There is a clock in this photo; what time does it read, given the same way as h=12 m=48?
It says h=2 m=47
